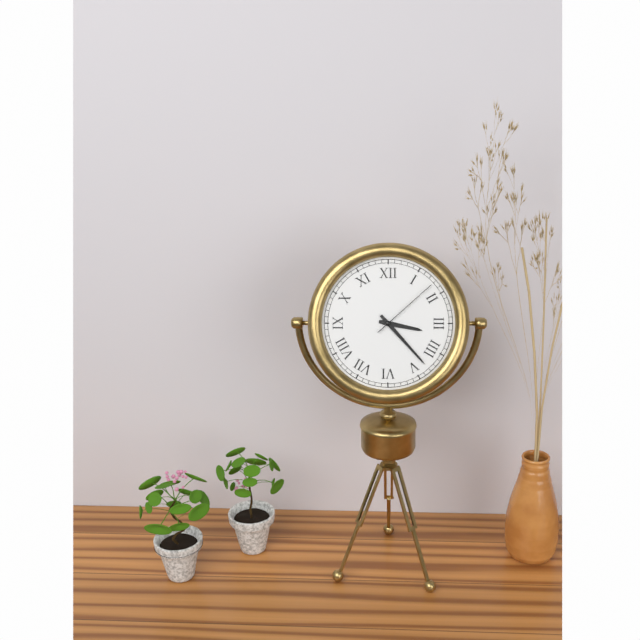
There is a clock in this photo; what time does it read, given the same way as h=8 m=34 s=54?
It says h=3 m=23 s=8
